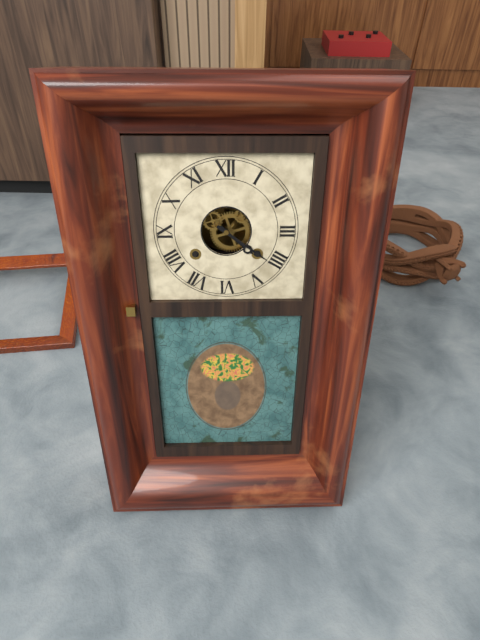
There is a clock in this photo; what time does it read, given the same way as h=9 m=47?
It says h=4 m=21
